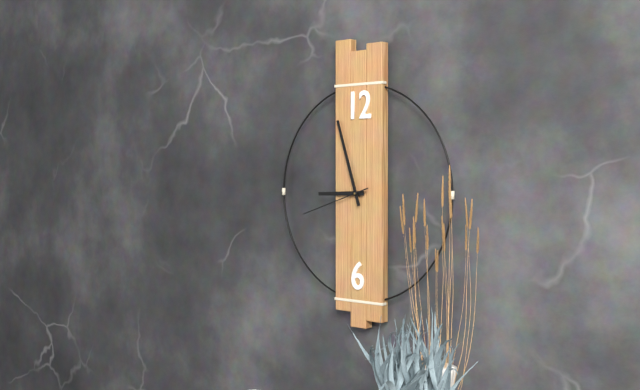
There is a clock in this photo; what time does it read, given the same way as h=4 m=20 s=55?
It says h=8 m=57 s=42
